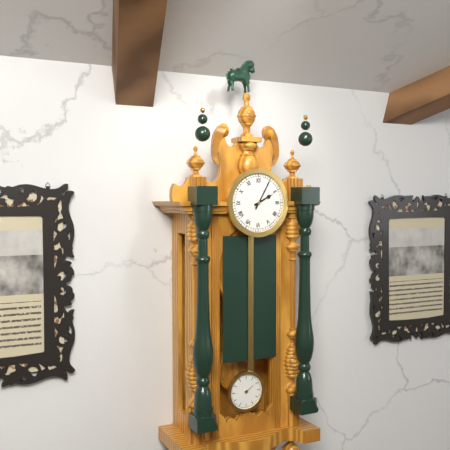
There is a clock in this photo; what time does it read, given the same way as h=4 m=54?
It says h=2 m=5
